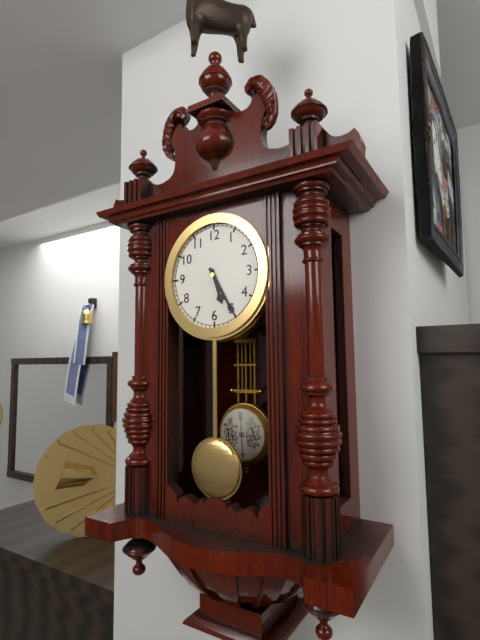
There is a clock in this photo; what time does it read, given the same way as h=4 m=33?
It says h=5 m=25
